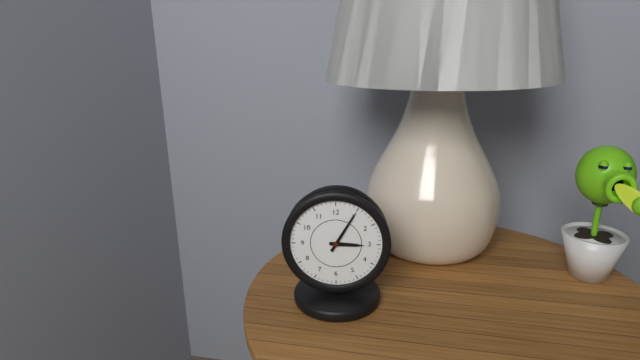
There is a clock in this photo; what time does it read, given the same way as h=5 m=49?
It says h=3 m=5
